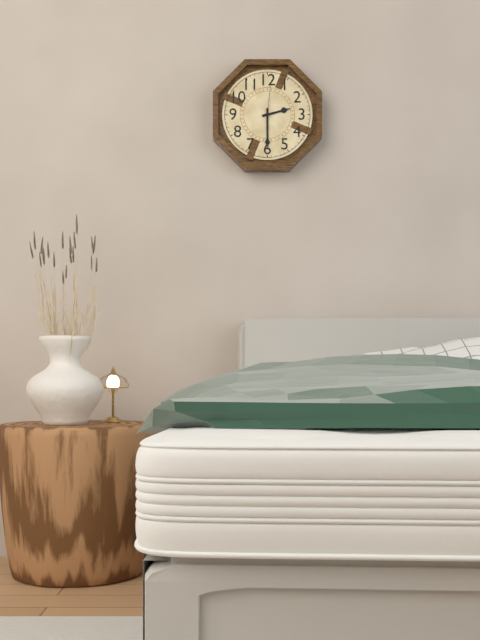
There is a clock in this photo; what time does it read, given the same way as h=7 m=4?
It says h=2 m=30
